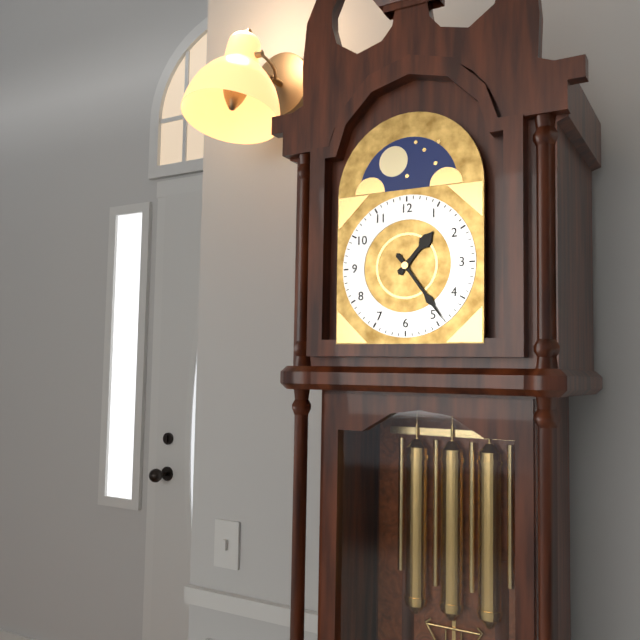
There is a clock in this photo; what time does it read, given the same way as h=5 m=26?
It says h=1 m=24
